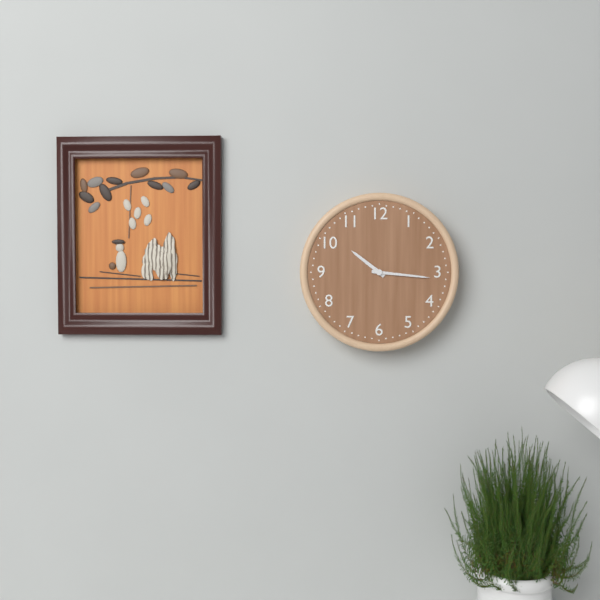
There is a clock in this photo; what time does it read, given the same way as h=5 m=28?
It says h=10 m=16
